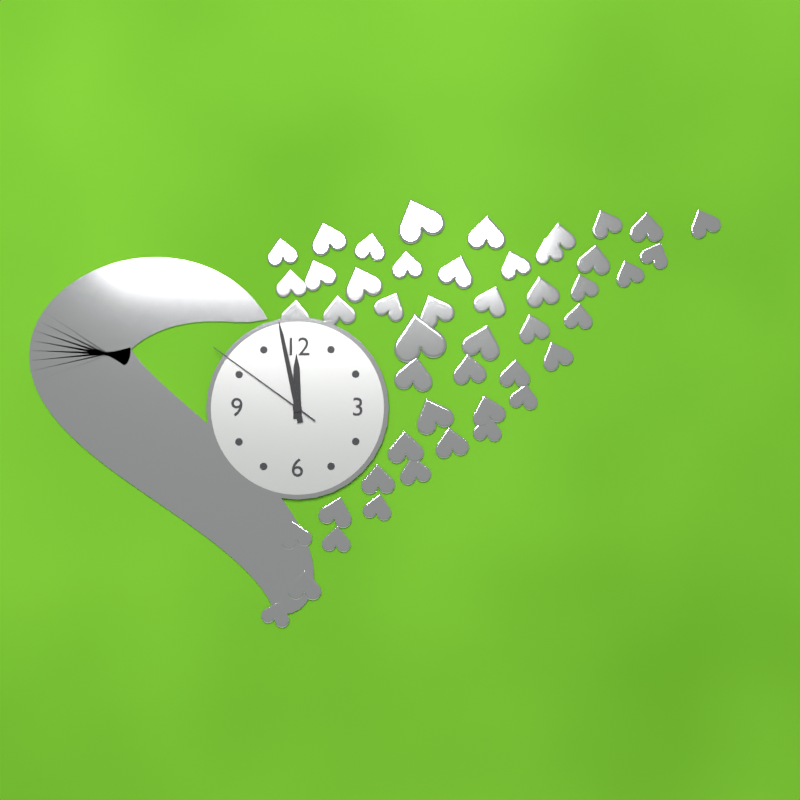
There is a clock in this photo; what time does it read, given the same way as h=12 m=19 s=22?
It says h=11 m=58 s=51
